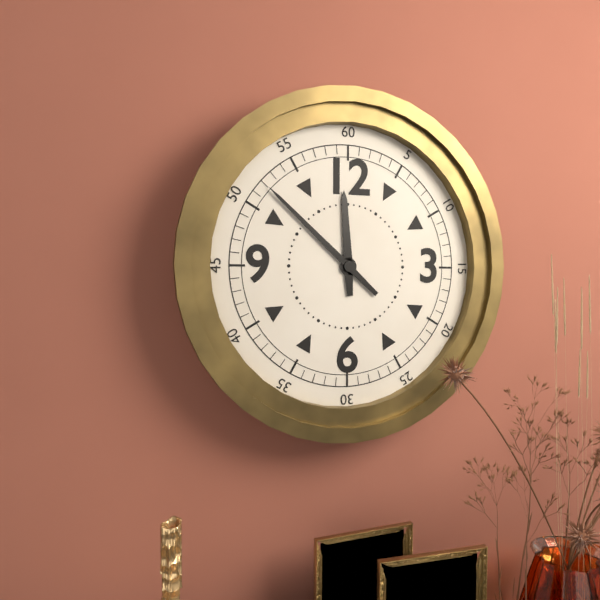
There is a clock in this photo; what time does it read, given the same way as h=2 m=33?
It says h=11 m=52
